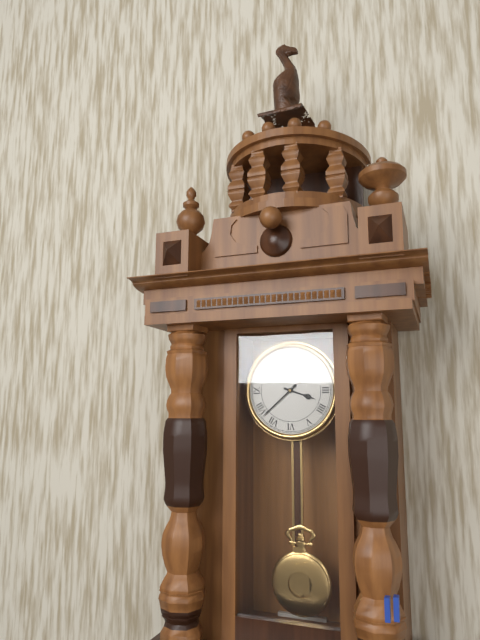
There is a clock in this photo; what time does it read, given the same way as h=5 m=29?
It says h=3 m=38
